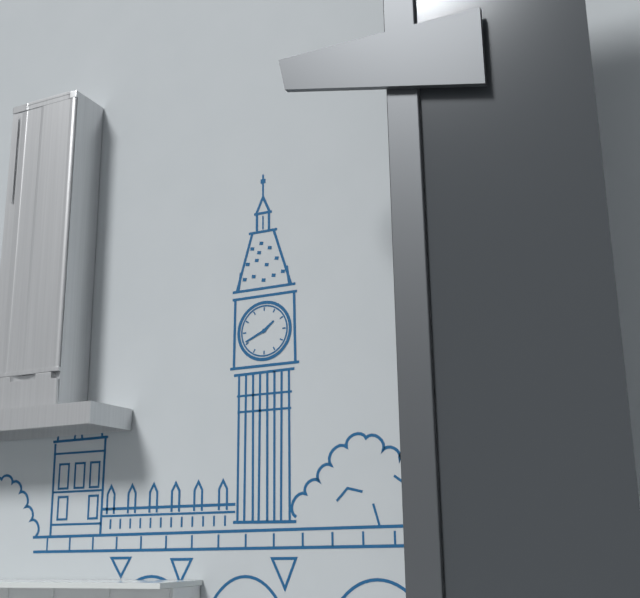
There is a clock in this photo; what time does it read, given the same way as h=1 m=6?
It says h=1 m=41
